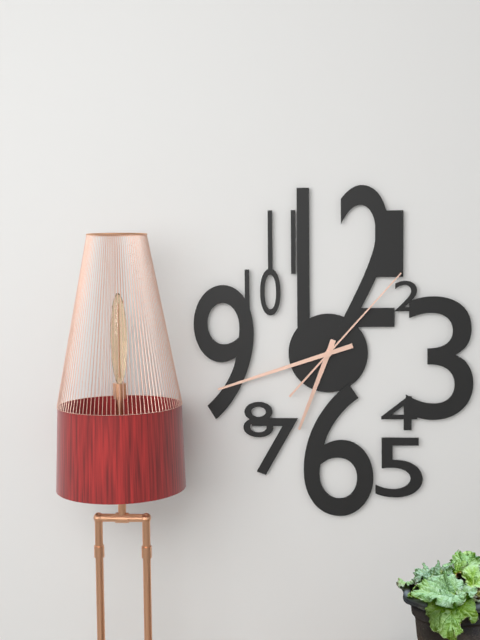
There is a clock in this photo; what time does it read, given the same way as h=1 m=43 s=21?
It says h=6 m=42 s=7
